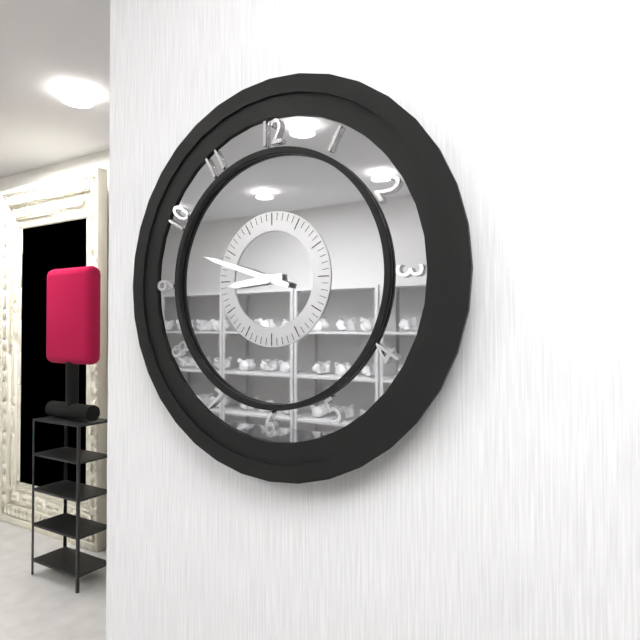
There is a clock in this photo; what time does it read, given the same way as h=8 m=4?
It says h=8 m=48
